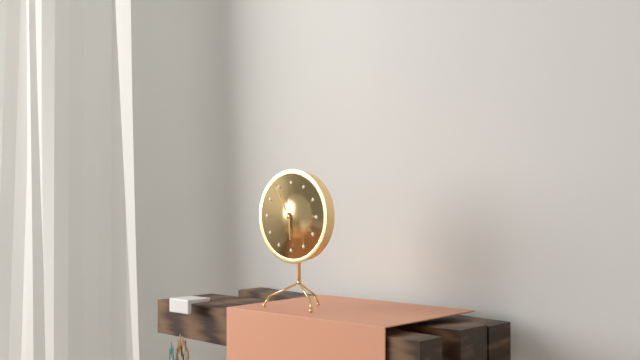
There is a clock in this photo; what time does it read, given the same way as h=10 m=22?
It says h=5 m=55
